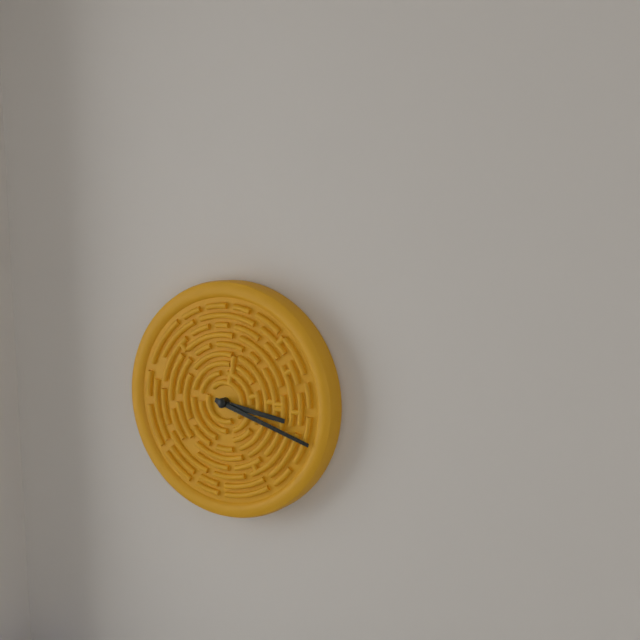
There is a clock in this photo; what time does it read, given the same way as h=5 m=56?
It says h=3 m=18
